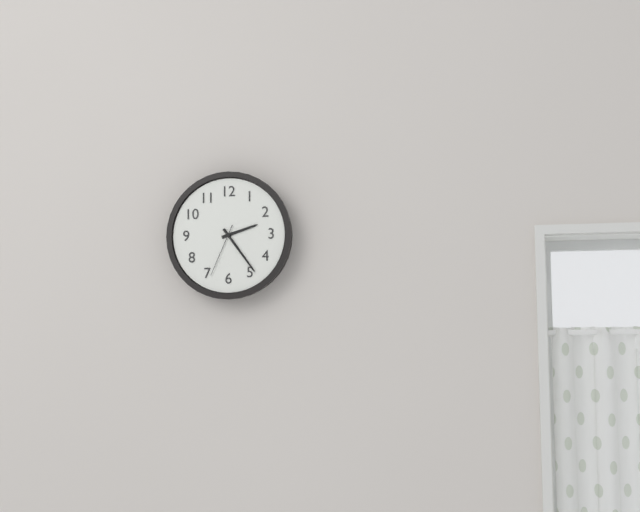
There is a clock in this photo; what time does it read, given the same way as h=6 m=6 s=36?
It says h=2 m=24 s=34
